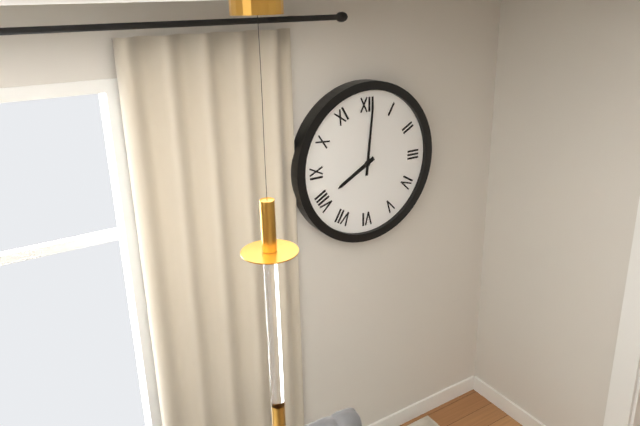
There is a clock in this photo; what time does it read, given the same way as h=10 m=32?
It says h=8 m=1
